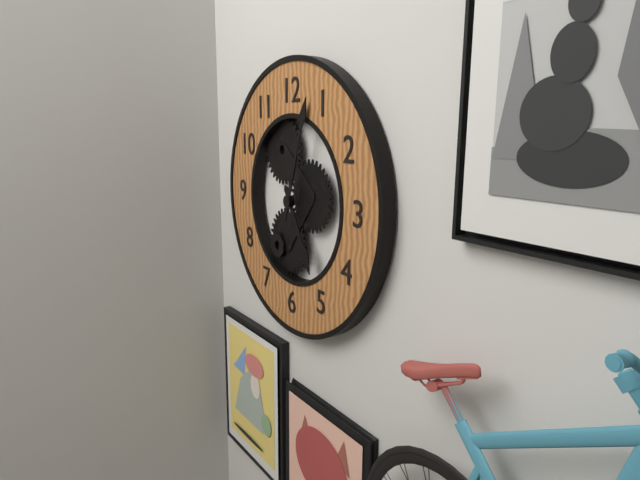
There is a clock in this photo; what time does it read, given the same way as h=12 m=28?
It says h=5 m=3
